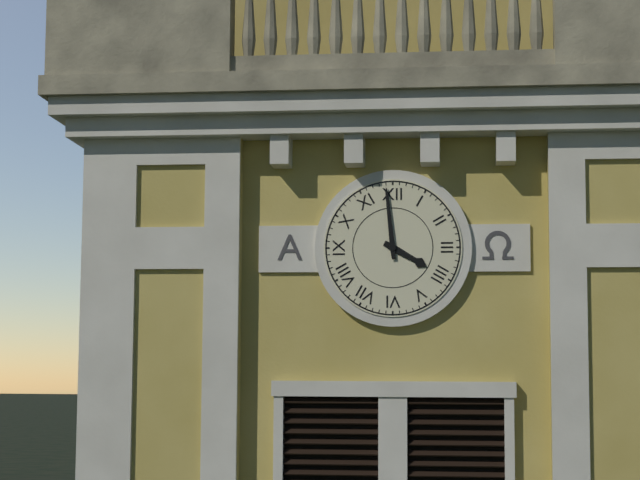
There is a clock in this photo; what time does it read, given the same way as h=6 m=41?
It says h=3 m=59
